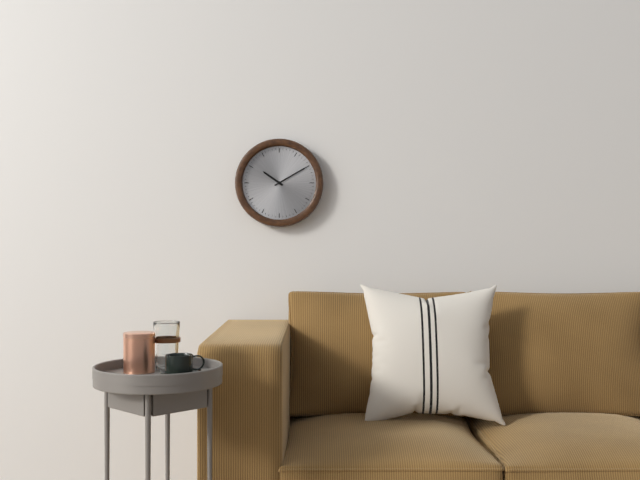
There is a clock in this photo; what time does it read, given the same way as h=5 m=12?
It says h=10 m=10
